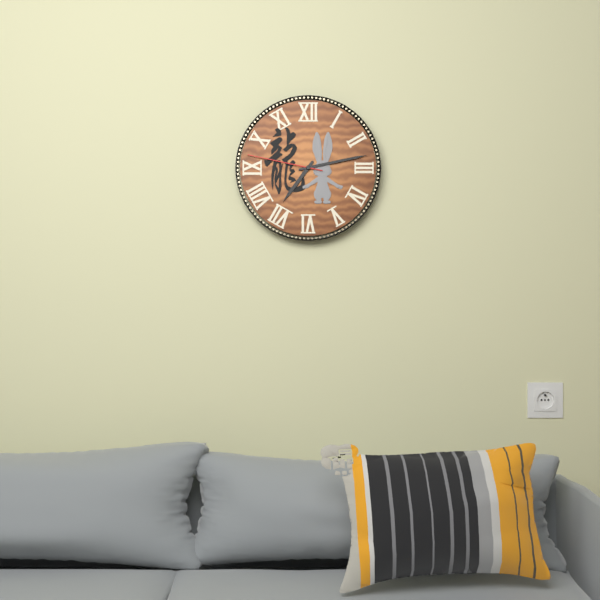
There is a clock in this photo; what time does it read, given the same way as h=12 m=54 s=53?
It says h=7 m=13 s=47
